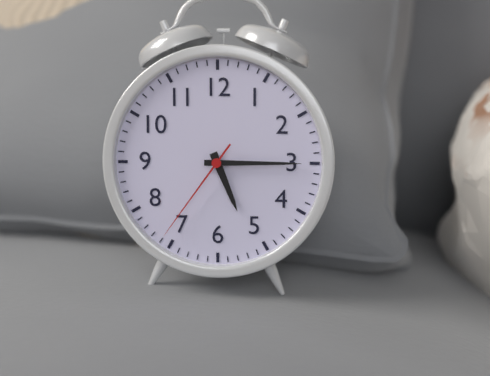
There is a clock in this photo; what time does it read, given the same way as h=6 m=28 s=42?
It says h=5 m=15 s=36
